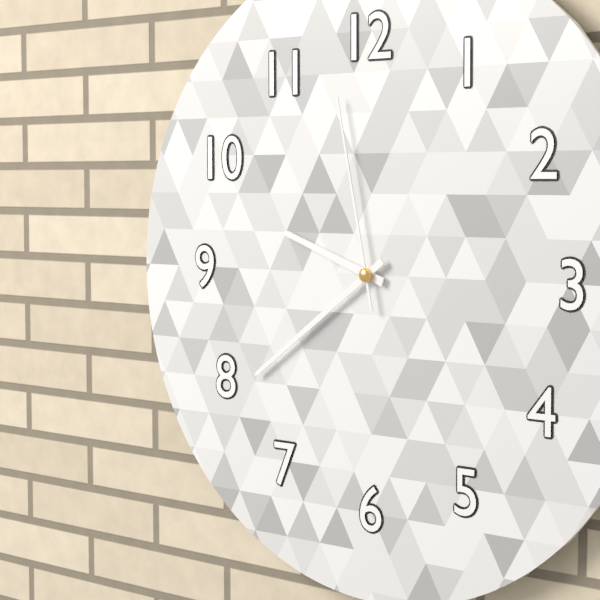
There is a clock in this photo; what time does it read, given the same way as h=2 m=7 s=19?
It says h=9 m=39 s=58
